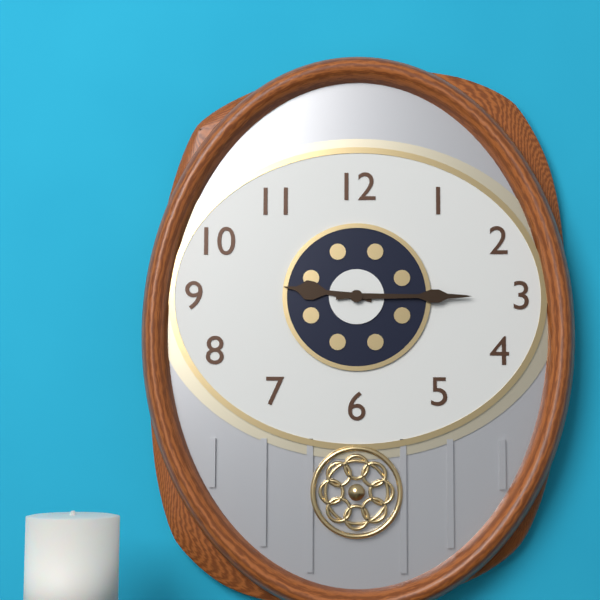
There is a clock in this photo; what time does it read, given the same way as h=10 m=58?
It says h=9 m=15
